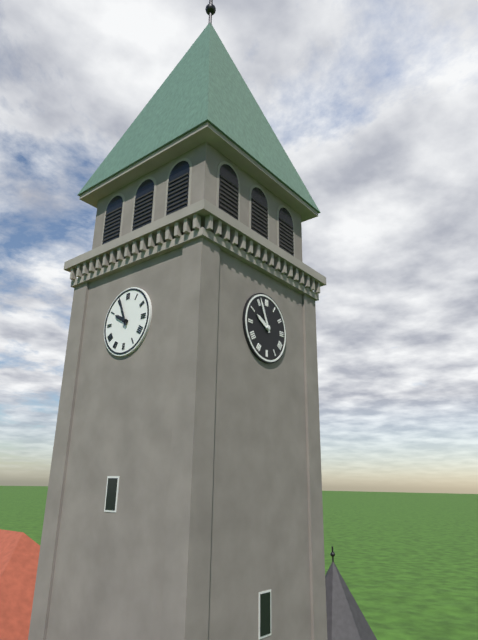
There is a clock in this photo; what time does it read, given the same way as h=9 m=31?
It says h=9 m=56
